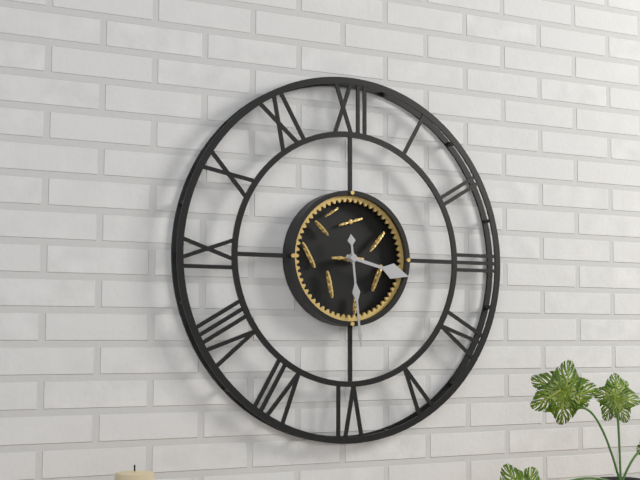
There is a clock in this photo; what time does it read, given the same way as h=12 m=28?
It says h=3 m=29
